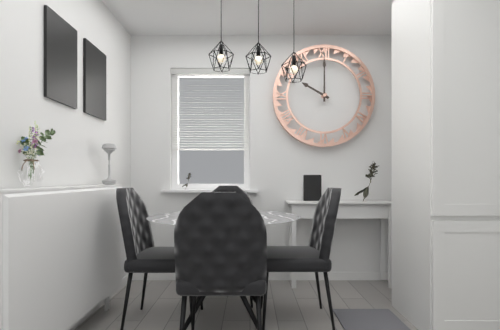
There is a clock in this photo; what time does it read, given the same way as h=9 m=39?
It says h=10 m=0
